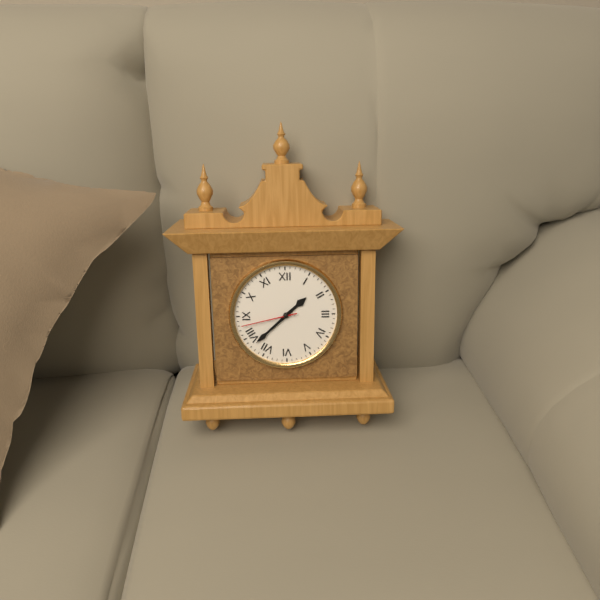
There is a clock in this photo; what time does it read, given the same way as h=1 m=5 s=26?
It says h=1 m=38 s=43
